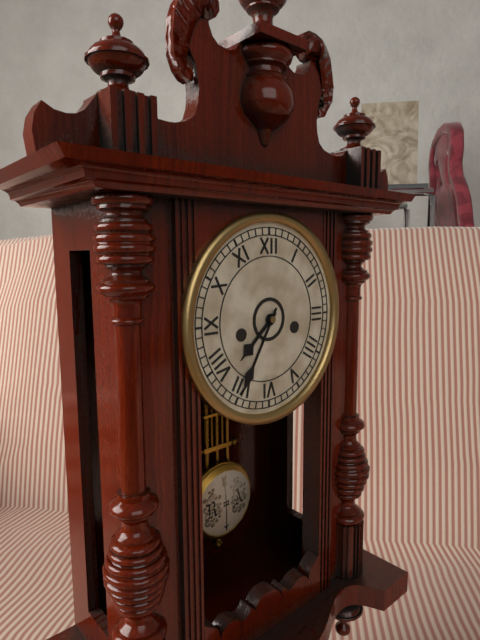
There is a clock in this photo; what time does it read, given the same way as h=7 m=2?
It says h=7 m=35
